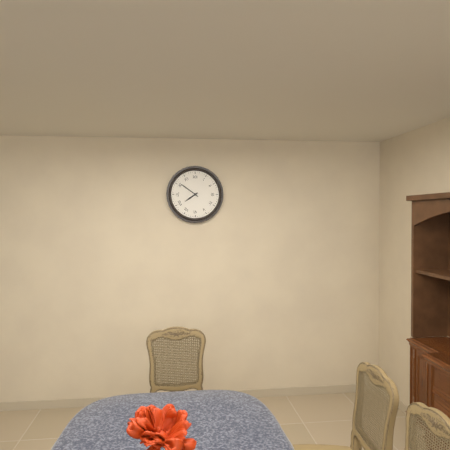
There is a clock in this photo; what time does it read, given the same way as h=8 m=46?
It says h=7 m=51
